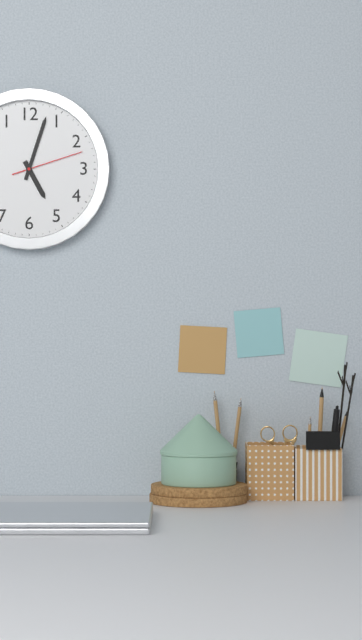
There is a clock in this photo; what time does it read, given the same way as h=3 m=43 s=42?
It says h=5 m=3 s=12
